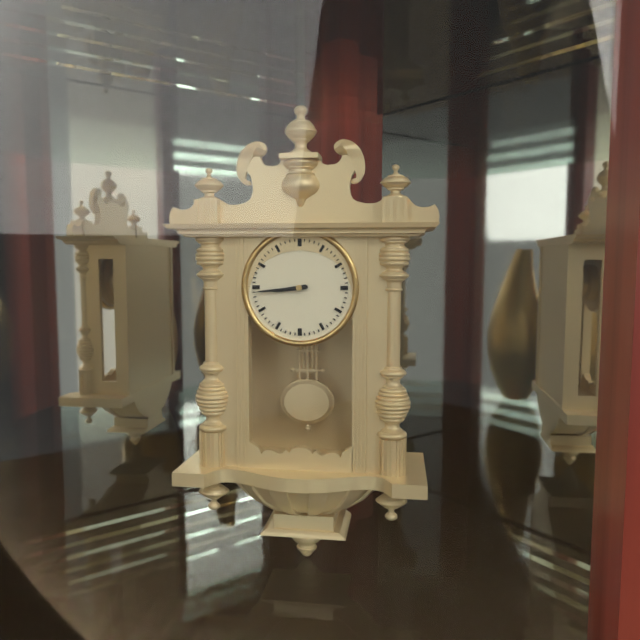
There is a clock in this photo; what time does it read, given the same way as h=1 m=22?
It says h=8 m=44
